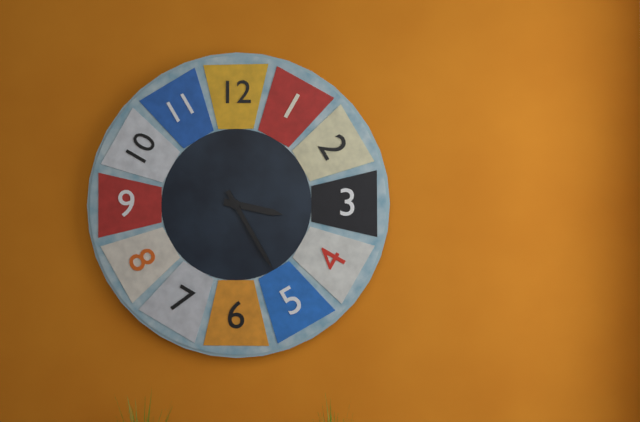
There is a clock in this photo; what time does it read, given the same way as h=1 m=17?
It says h=3 m=25
